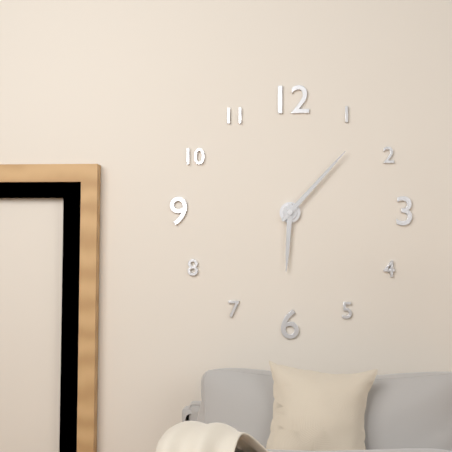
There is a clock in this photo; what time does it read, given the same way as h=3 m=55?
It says h=6 m=7
